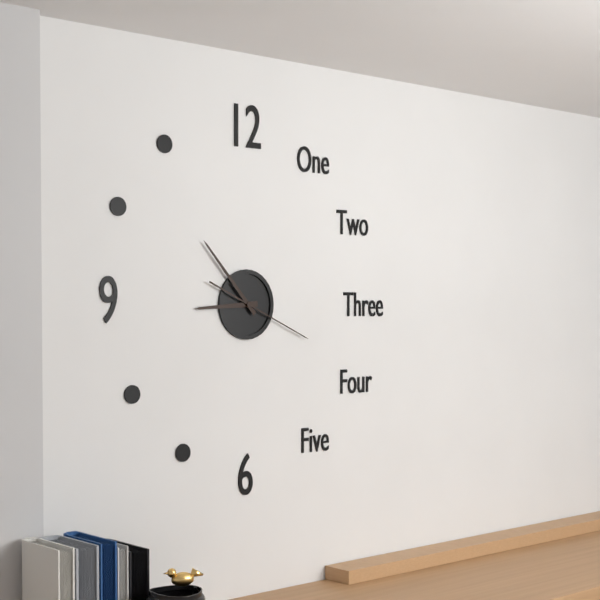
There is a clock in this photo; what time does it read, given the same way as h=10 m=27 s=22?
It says h=8 m=53 s=19
